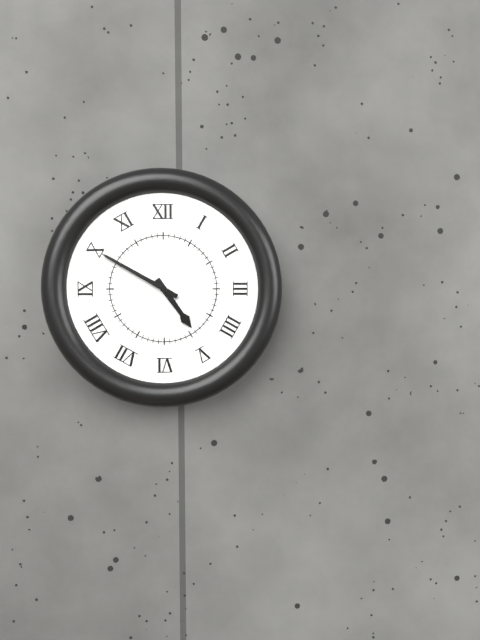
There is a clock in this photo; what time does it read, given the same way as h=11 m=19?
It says h=4 m=50
